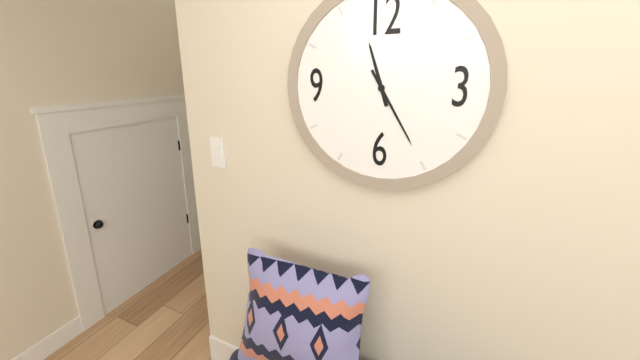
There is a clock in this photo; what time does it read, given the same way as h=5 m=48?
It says h=11 m=25
